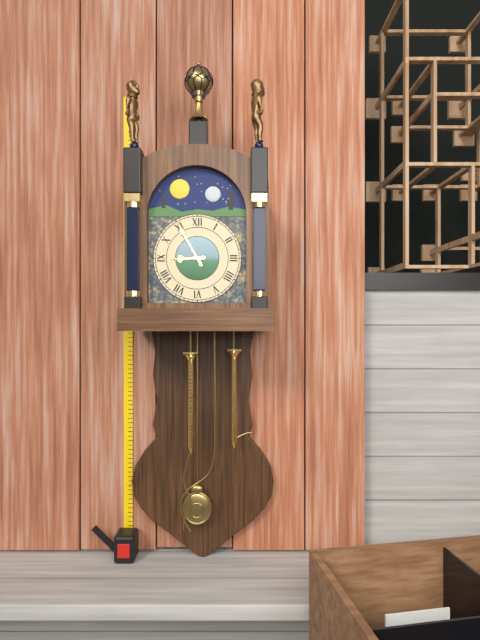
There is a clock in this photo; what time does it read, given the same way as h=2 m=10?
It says h=8 m=55
